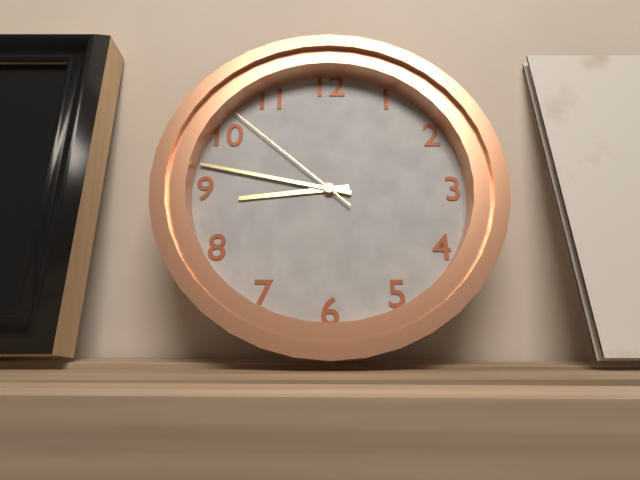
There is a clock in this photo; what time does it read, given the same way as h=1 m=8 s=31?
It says h=8 m=47 s=52
